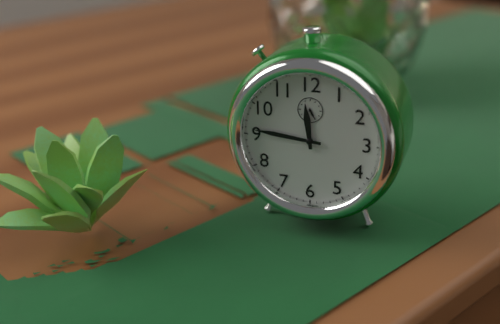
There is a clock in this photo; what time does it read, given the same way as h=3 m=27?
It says h=11 m=46
